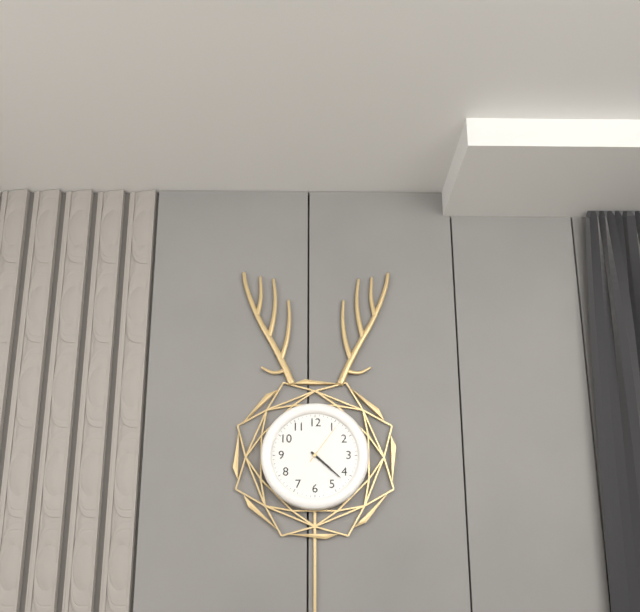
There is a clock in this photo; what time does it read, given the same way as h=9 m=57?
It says h=4 m=22
